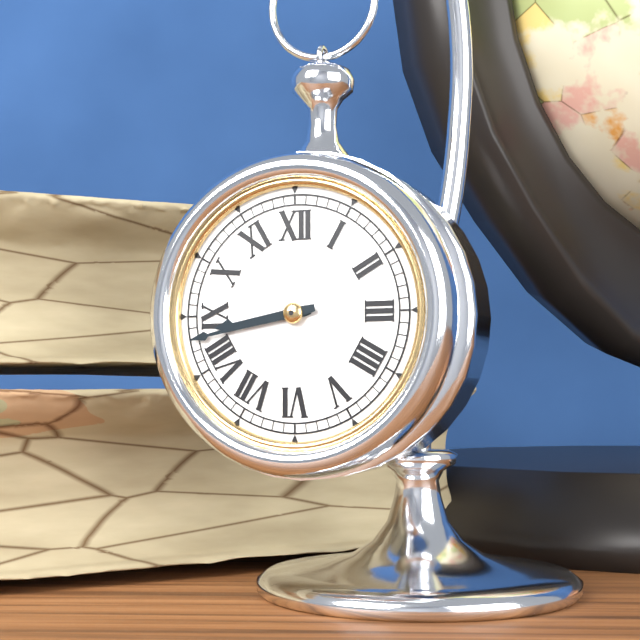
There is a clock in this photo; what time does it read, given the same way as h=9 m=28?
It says h=8 m=43
